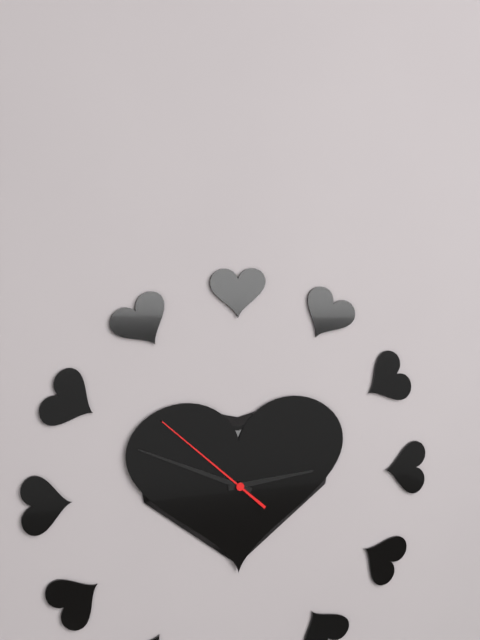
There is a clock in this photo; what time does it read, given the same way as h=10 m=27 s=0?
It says h=2 m=49 s=52
